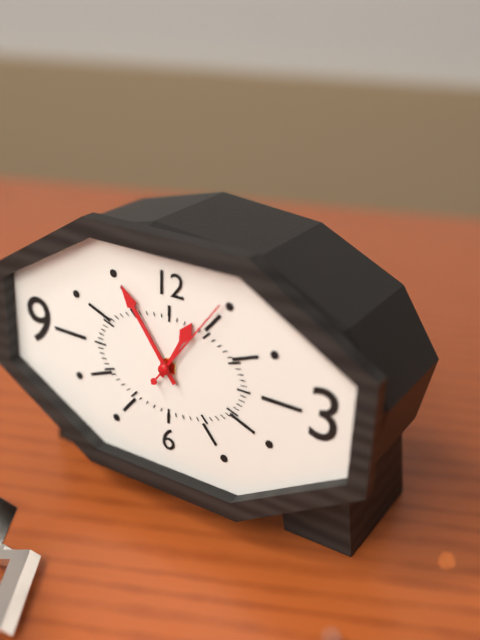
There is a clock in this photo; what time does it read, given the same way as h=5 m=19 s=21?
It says h=12 m=54 s=6
